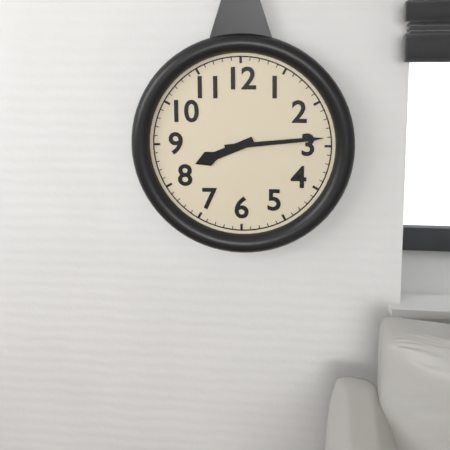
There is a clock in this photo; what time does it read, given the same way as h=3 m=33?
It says h=8 m=14
